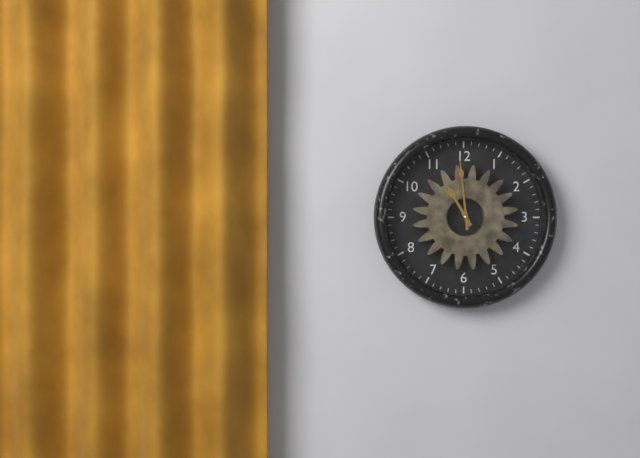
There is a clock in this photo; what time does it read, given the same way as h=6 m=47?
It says h=10 m=59
